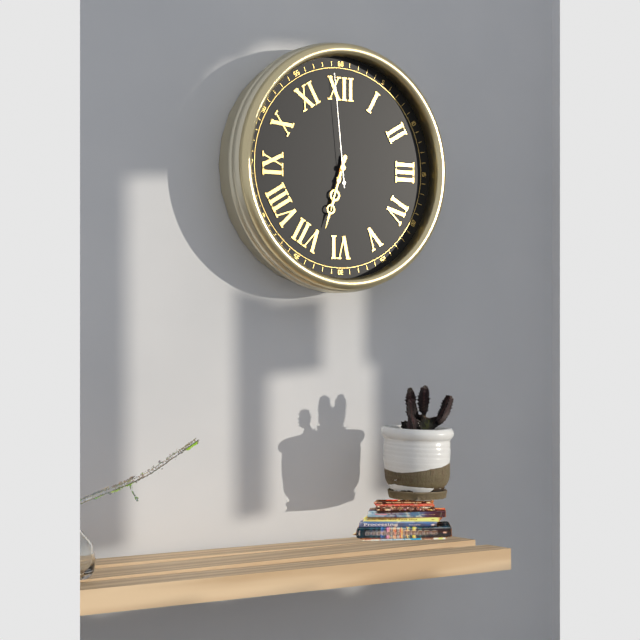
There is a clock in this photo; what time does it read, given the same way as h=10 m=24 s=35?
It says h=6 m=33 s=59
